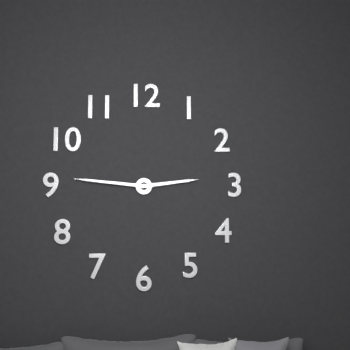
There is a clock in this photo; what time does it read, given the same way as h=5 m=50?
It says h=2 m=46
